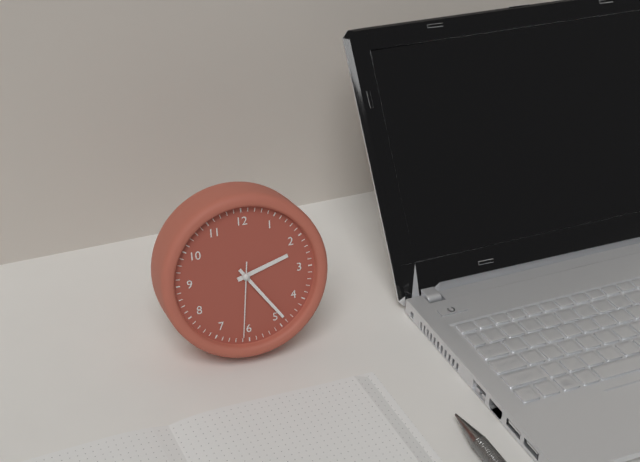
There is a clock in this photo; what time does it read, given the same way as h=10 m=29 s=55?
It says h=2 m=24 s=31
